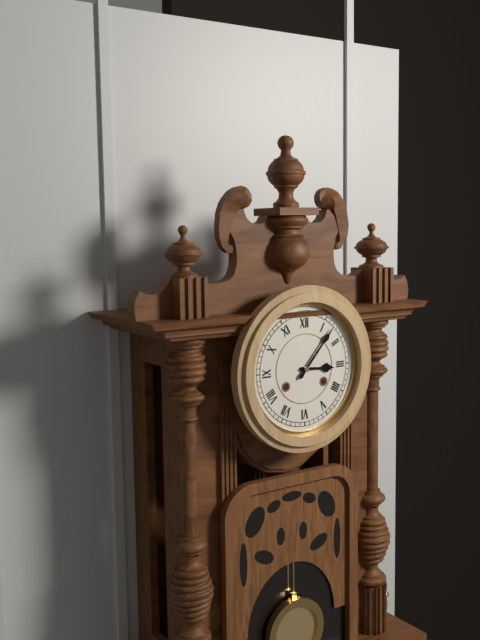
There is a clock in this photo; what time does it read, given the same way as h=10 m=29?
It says h=3 m=7
